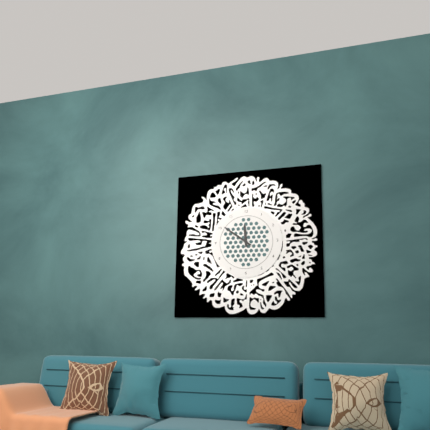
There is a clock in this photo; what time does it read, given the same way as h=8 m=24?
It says h=11 m=51
